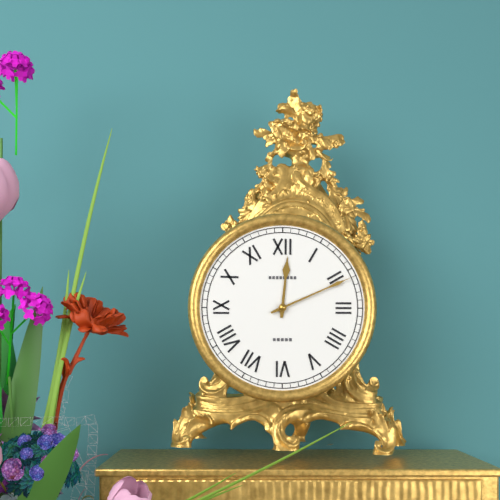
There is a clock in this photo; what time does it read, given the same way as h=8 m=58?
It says h=12 m=11
